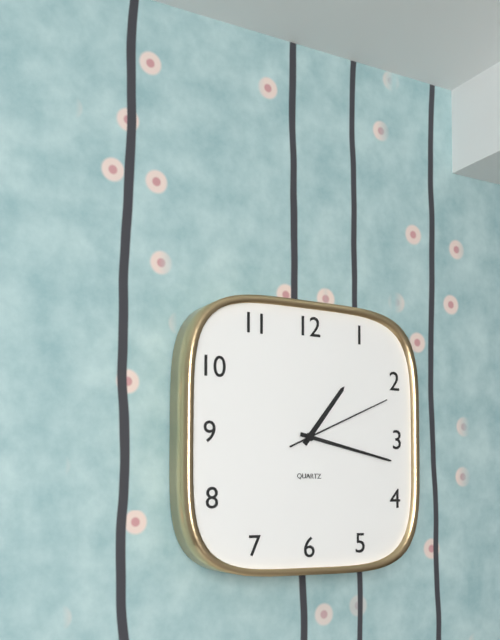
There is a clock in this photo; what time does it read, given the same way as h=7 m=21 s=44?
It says h=1 m=17 s=11
